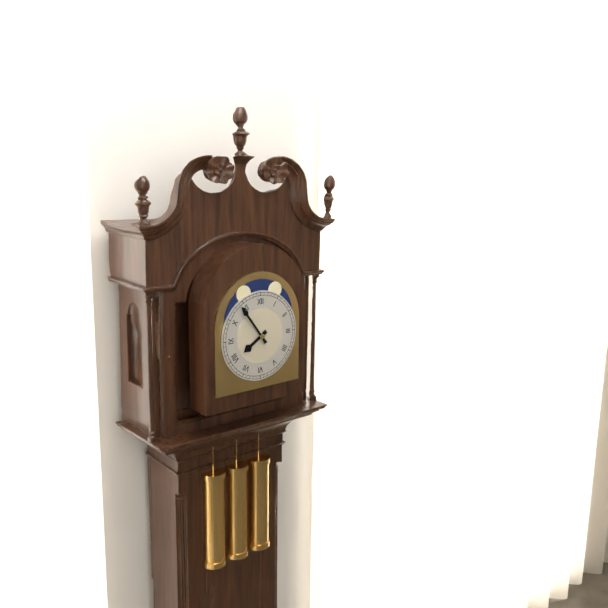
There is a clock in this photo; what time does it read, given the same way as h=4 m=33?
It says h=7 m=54
